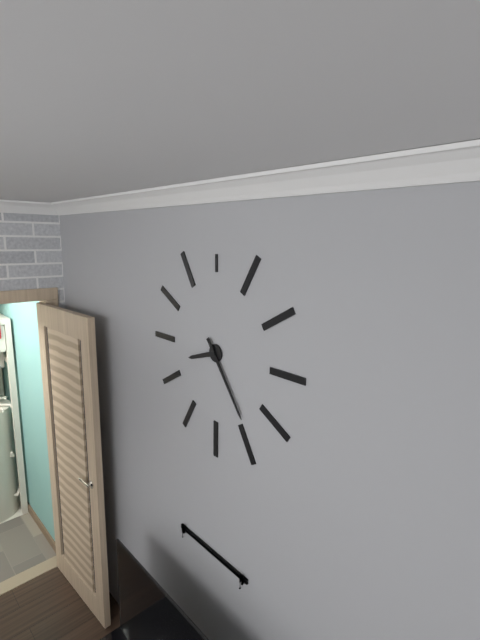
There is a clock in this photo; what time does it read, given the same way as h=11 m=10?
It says h=8 m=24
